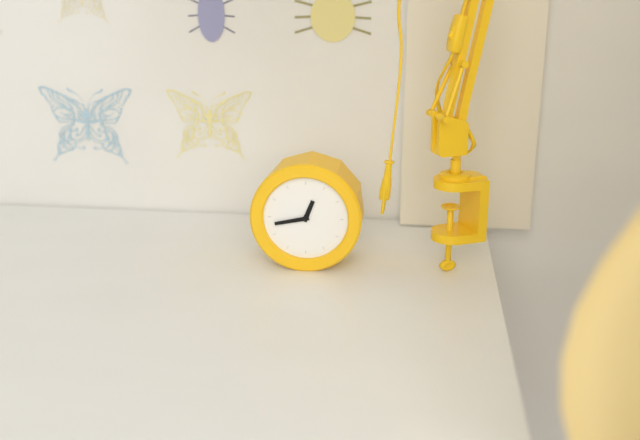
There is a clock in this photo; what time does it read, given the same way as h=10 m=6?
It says h=12 m=43
